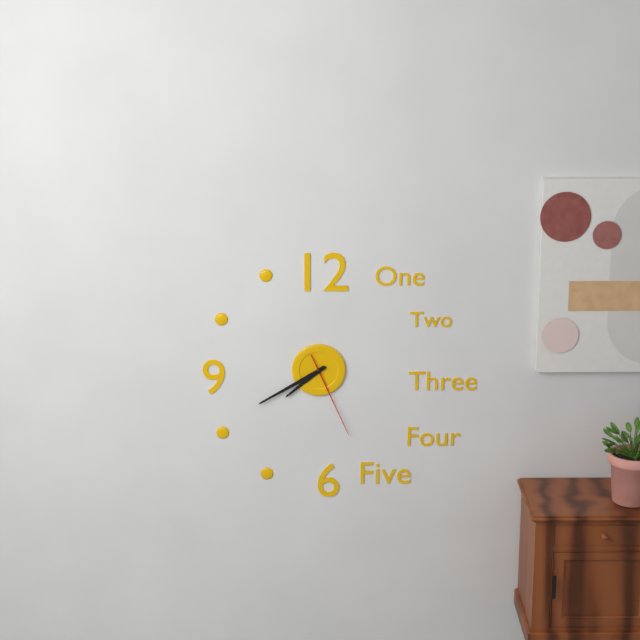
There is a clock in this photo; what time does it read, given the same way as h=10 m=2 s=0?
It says h=7 m=40 s=26
